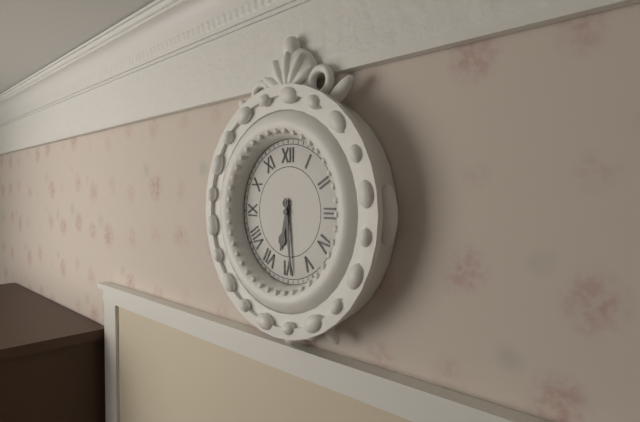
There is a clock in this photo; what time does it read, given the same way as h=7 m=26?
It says h=6 m=29
